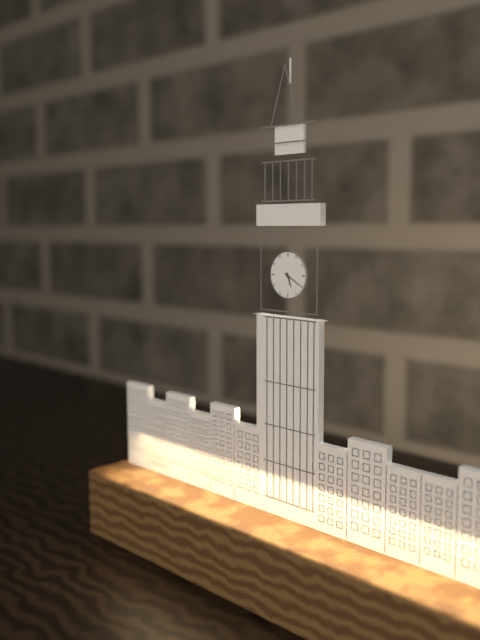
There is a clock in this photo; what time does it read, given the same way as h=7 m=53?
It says h=5 m=20
